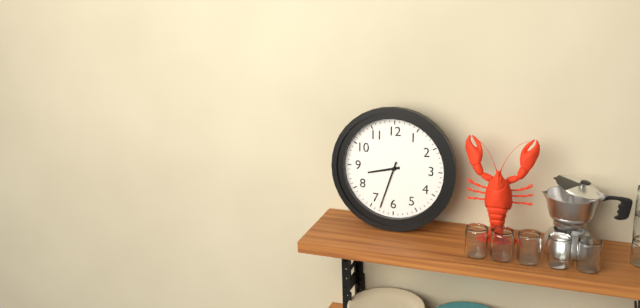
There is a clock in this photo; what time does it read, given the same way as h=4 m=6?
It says h=8 m=33
